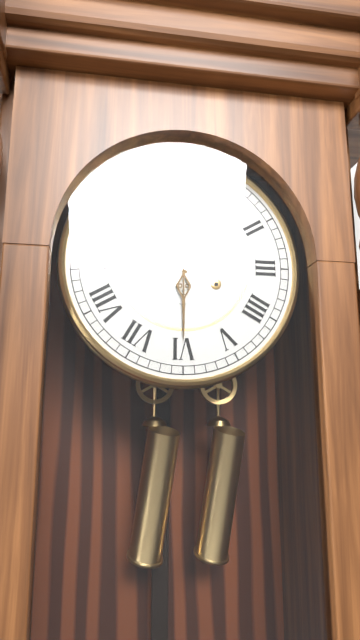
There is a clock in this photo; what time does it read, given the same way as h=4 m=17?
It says h=11 m=30
